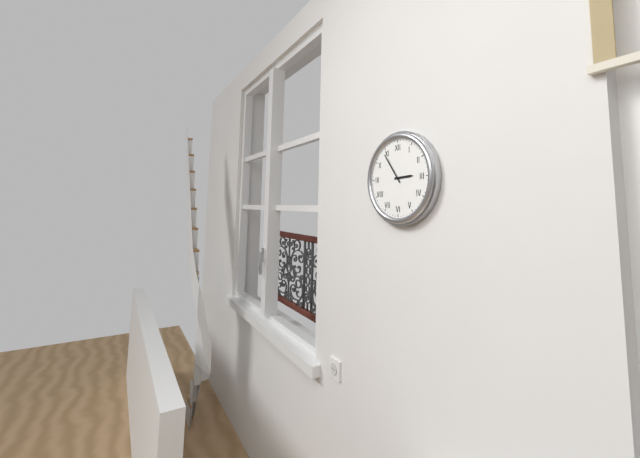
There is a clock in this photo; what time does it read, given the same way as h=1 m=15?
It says h=2 m=54
